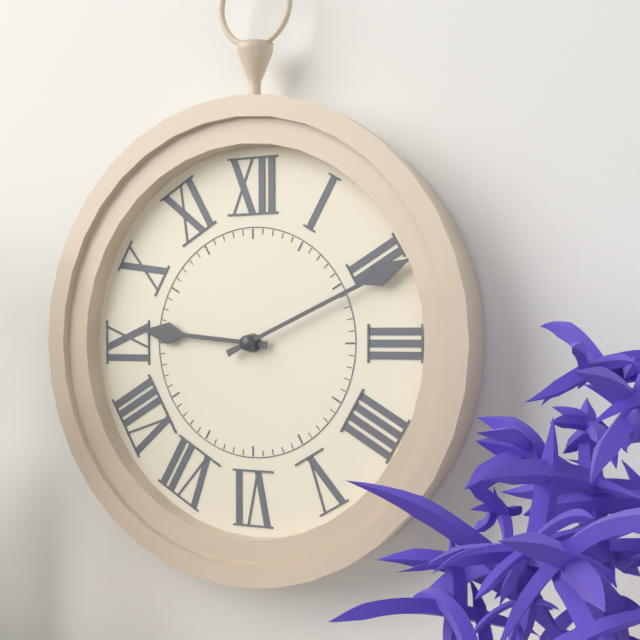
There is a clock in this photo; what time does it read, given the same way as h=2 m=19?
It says h=9 m=11
